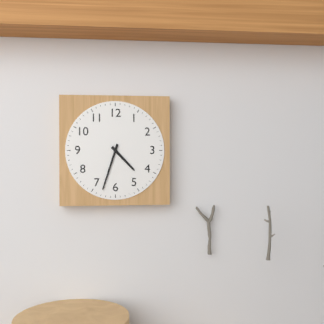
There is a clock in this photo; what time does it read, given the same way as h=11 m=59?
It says h=4 m=33
